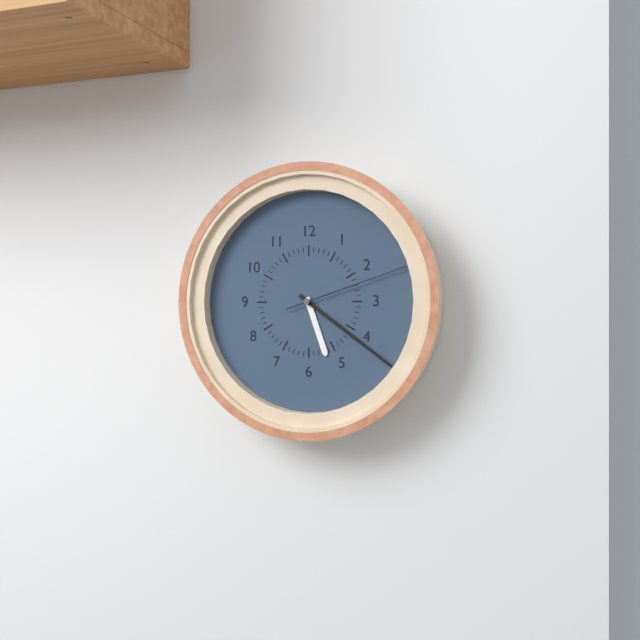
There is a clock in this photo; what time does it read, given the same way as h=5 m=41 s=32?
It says h=5 m=21 s=12
